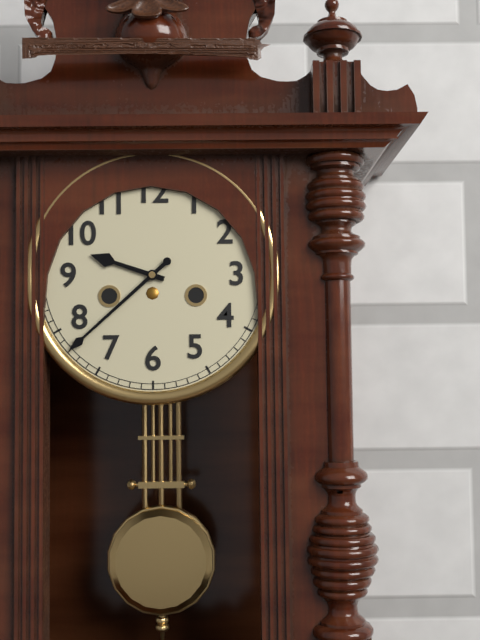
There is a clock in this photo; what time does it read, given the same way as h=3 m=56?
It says h=9 m=38
